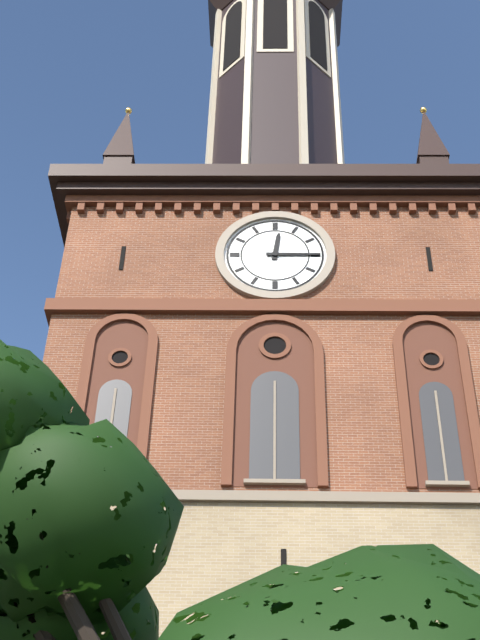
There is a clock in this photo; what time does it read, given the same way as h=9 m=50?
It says h=12 m=15
